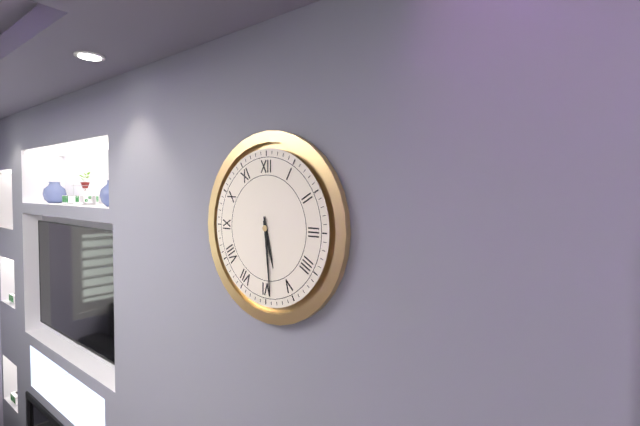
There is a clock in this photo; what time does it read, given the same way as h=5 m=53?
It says h=5 m=29
